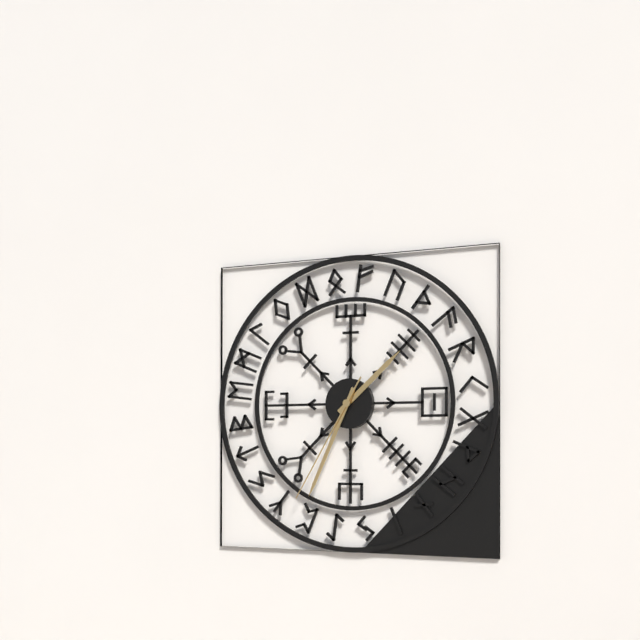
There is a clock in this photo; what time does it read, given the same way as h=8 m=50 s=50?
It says h=1 m=34 s=35
